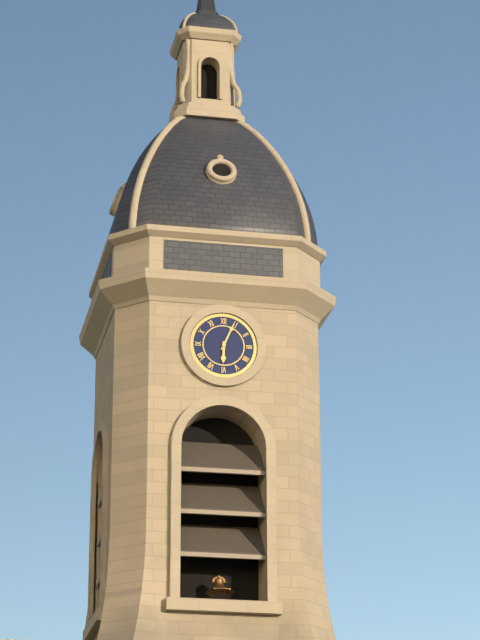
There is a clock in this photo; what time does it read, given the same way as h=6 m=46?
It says h=6 m=4
